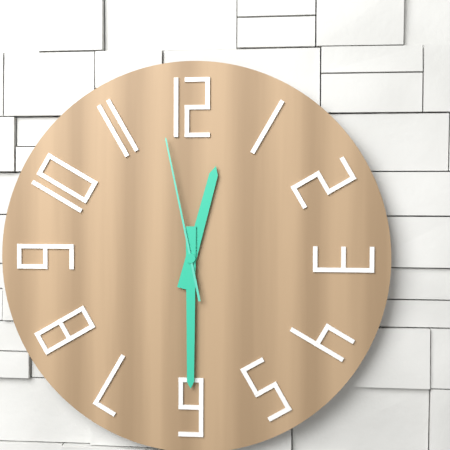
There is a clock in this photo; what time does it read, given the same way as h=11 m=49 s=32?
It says h=12 m=30 s=58
